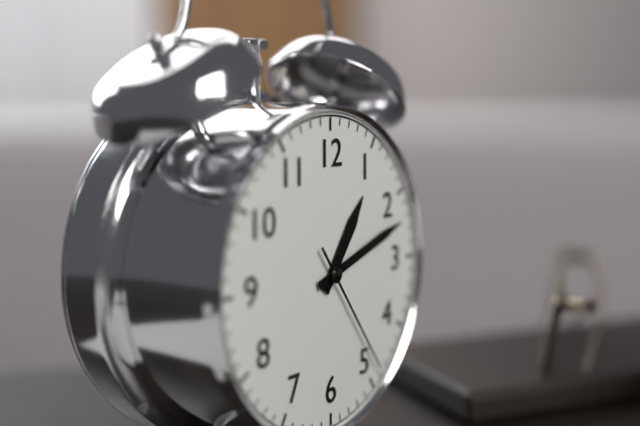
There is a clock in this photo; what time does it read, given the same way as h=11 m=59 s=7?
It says h=1 m=12 s=24
